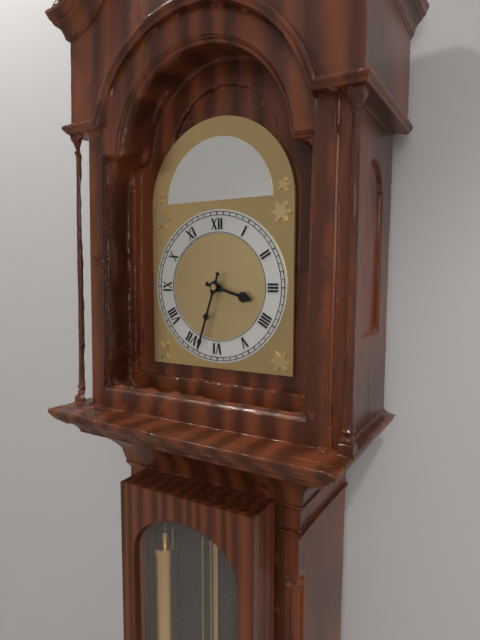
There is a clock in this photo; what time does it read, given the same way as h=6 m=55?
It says h=3 m=33
